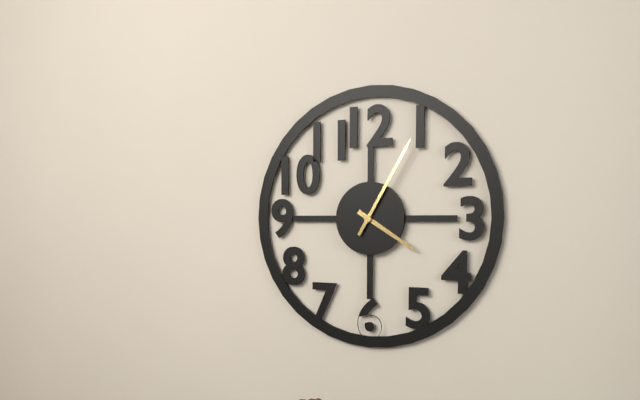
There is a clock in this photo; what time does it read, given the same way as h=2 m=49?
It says h=4 m=5
